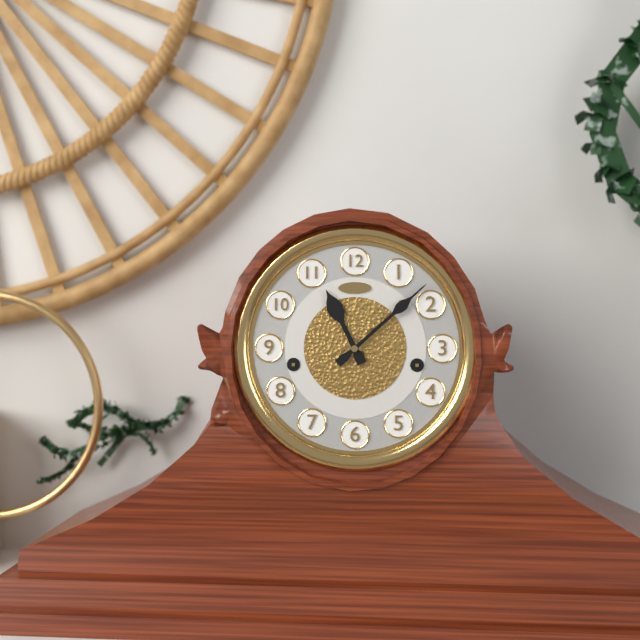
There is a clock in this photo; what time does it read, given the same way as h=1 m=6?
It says h=11 m=8
